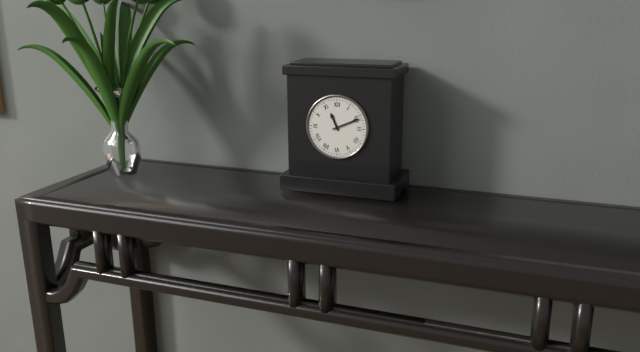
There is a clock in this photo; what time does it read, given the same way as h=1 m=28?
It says h=11 m=11
